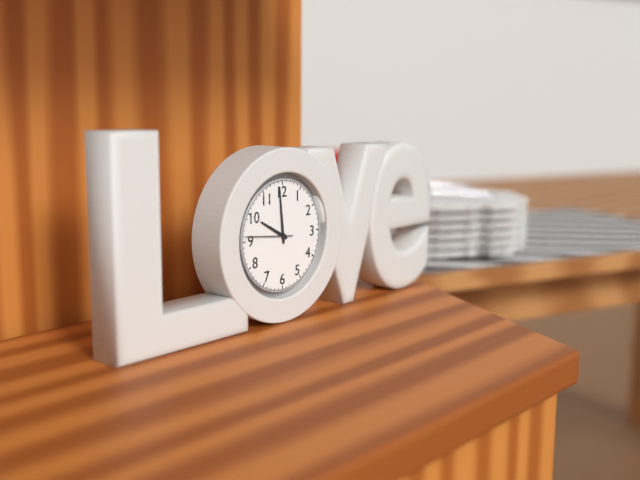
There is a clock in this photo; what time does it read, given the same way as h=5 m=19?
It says h=9 m=59
